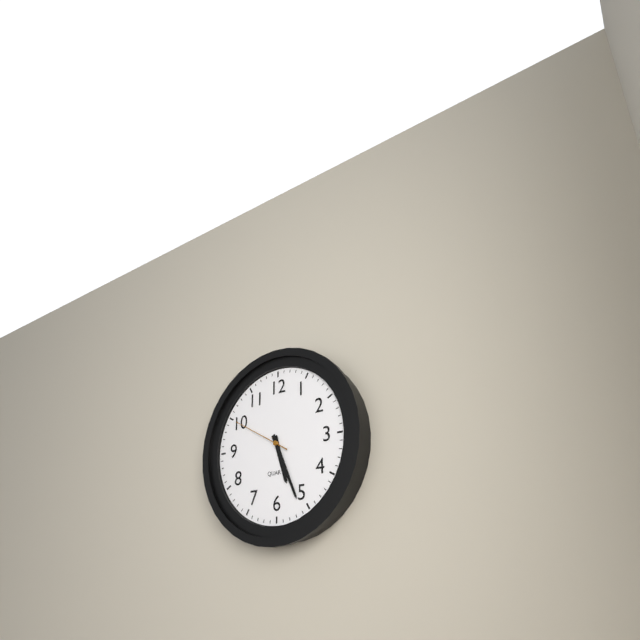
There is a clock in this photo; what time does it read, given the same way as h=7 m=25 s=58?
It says h=5 m=26 s=50
